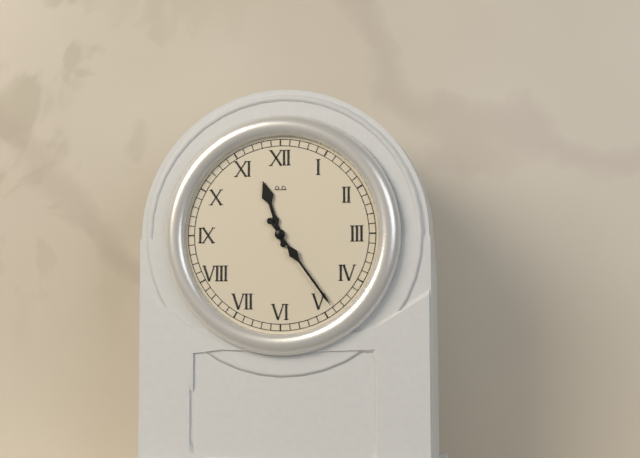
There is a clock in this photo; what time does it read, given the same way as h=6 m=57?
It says h=11 m=24
